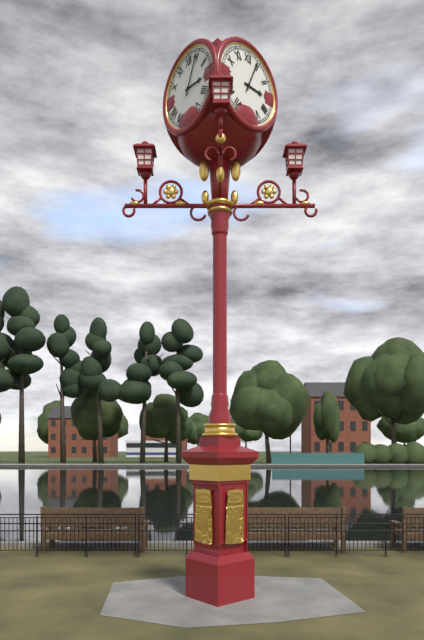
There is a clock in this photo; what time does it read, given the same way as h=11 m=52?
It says h=3 m=4
